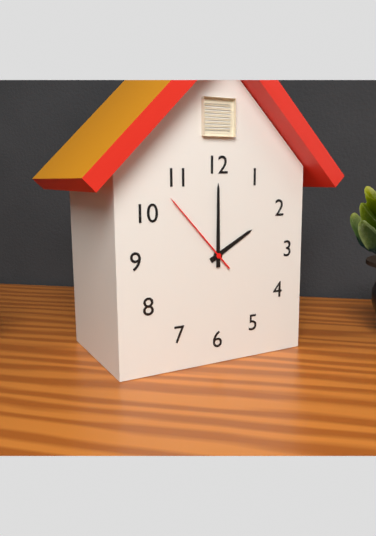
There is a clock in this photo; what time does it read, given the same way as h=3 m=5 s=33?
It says h=2 m=0 s=53
